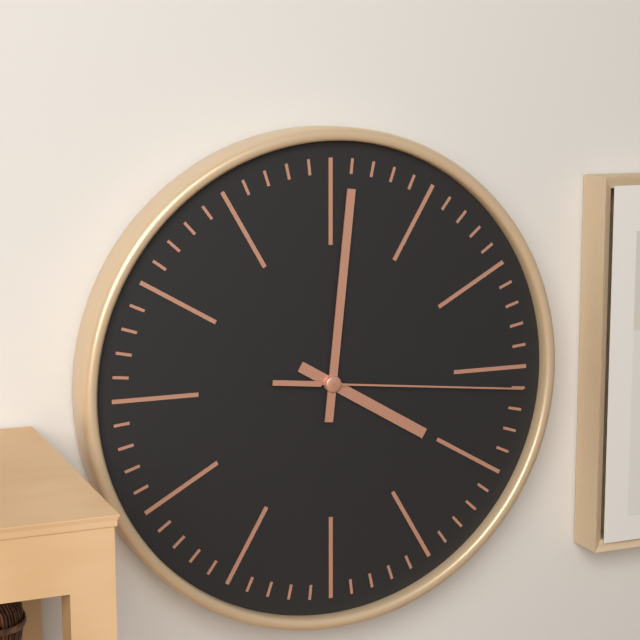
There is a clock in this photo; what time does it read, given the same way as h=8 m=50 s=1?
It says h=4 m=1 s=16
